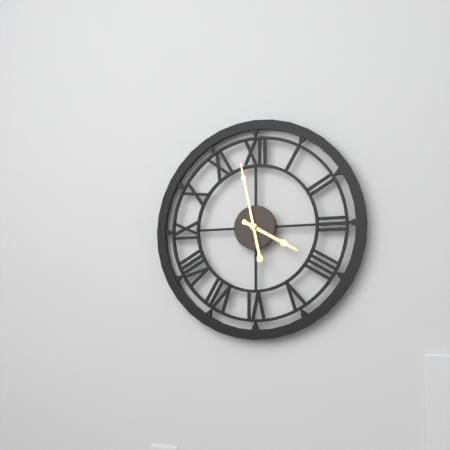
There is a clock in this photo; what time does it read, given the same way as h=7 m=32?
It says h=3 m=58
